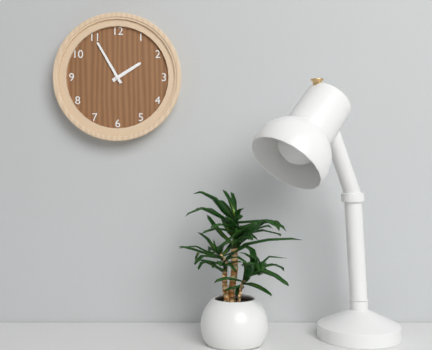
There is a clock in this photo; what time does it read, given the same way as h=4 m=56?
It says h=1 m=55
